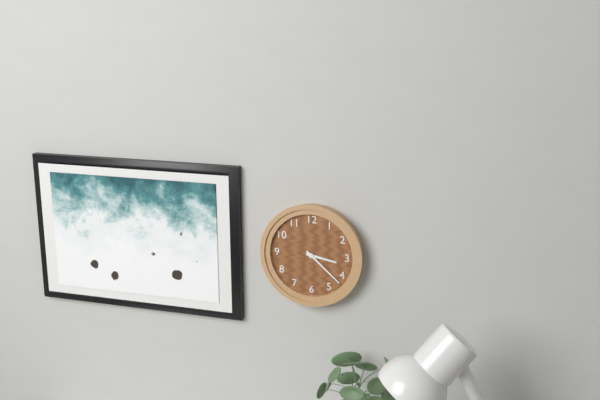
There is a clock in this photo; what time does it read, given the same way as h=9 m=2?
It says h=3 m=22
